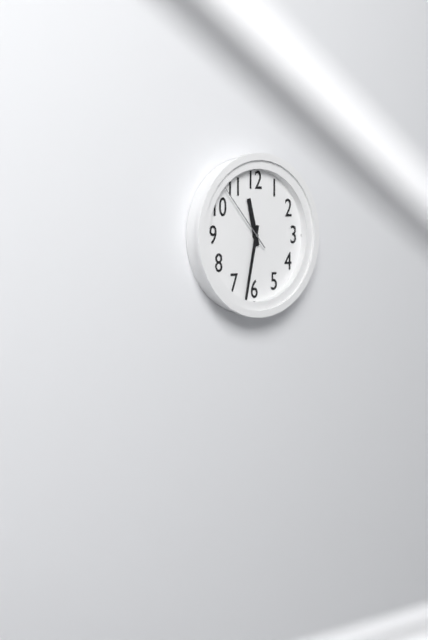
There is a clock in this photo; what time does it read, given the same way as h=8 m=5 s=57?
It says h=11 m=32 s=53
